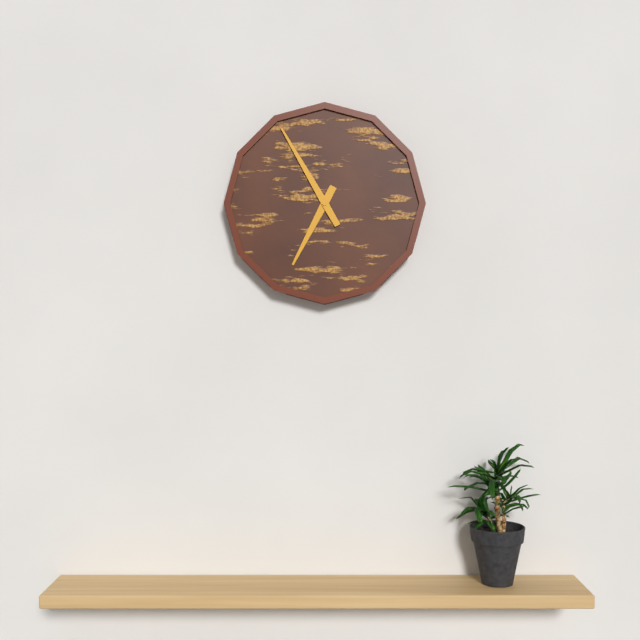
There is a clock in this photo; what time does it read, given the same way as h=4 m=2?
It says h=6 m=55
